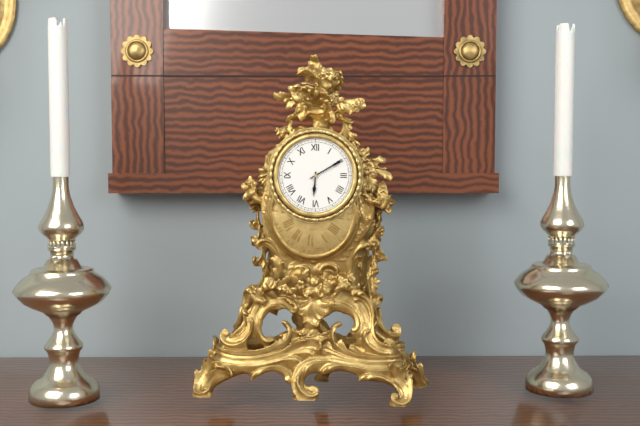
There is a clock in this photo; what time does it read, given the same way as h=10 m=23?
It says h=6 m=10
